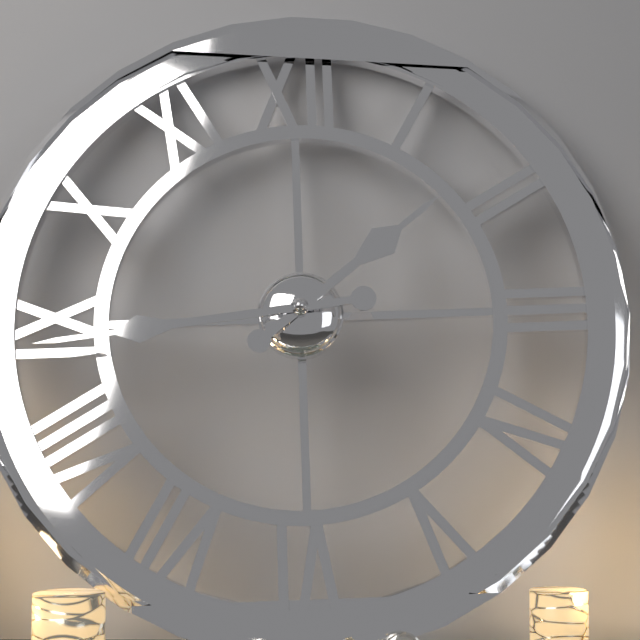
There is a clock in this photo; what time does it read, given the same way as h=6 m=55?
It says h=1 m=44
